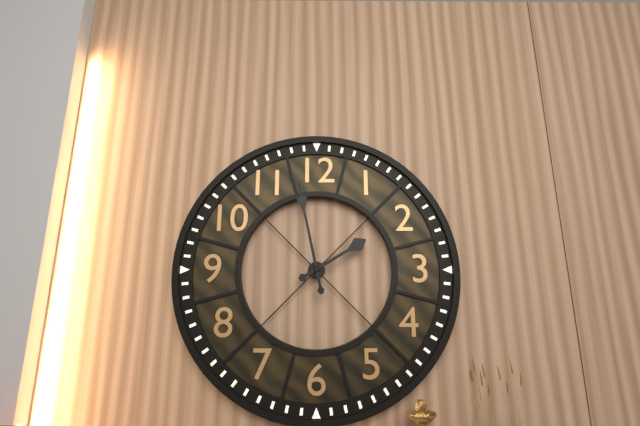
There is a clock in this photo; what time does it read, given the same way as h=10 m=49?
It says h=1 m=58
